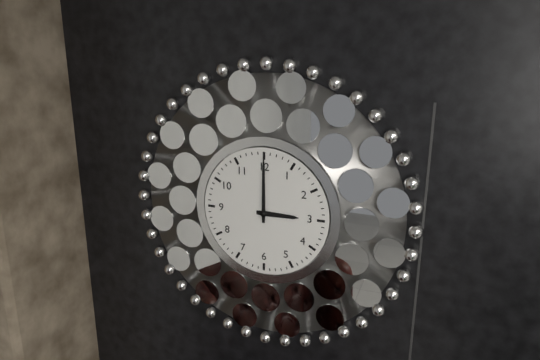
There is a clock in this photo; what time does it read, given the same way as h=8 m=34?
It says h=3 m=0
